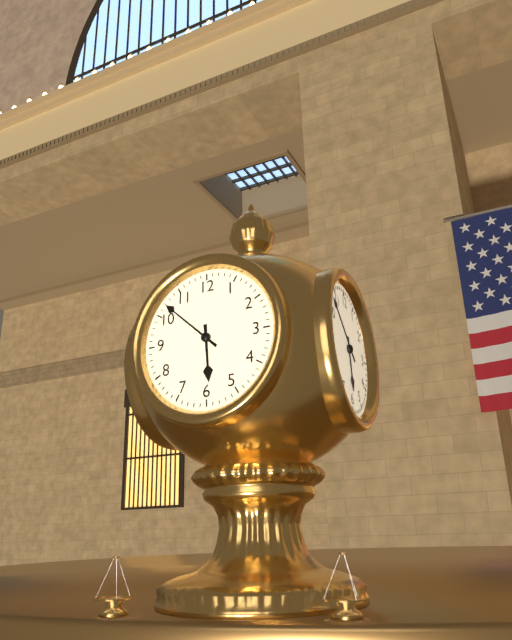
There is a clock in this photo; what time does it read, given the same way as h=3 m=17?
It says h=5 m=52
